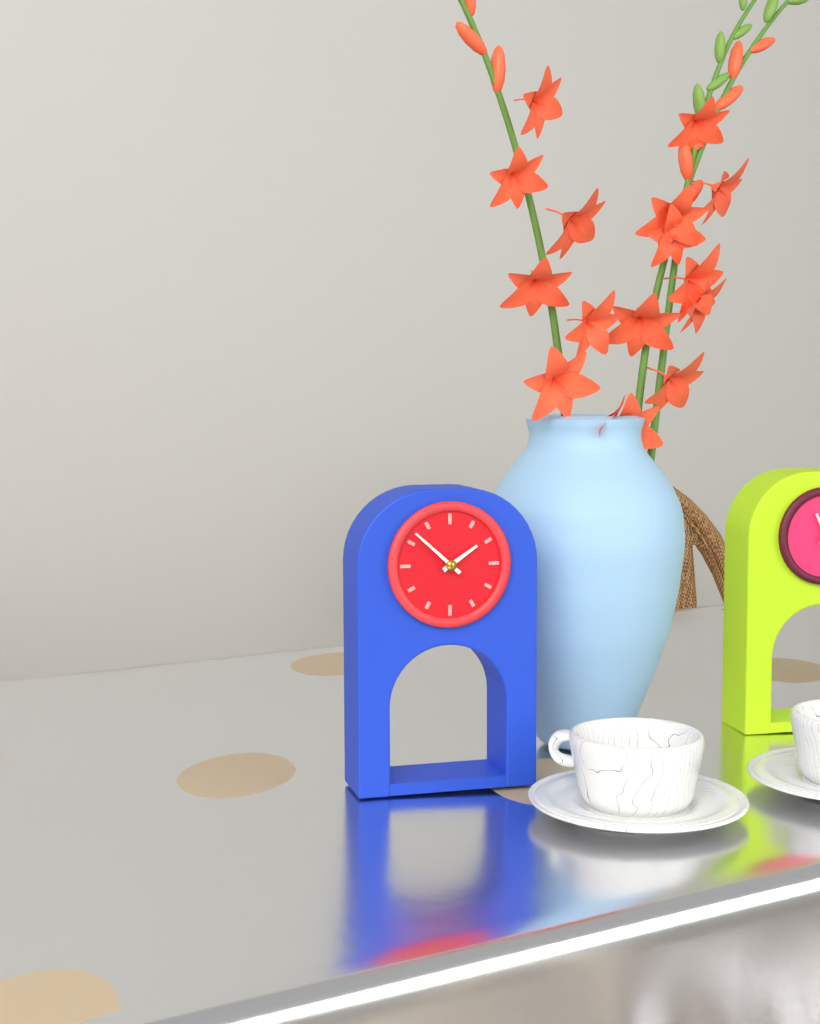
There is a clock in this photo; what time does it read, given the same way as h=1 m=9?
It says h=1 m=52
